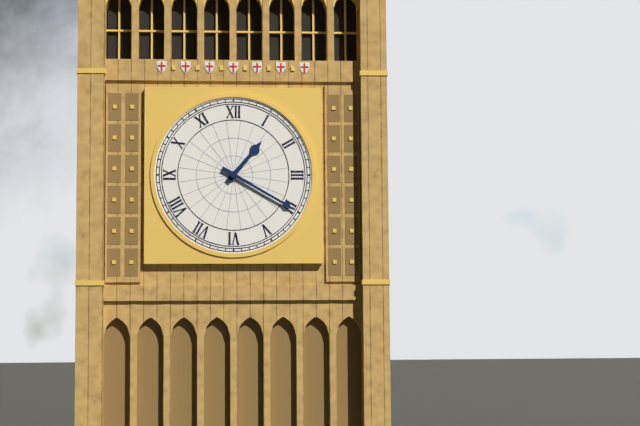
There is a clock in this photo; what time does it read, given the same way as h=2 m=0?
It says h=1 m=20
